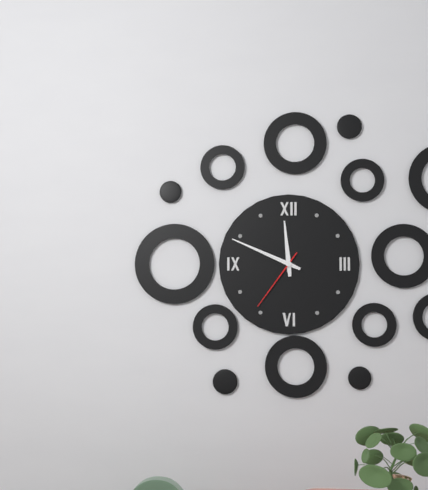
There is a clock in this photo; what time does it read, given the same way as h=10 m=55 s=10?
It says h=11 m=49 s=36
